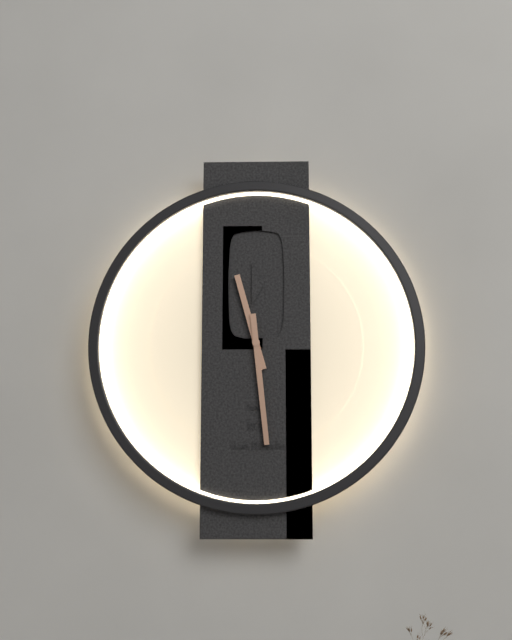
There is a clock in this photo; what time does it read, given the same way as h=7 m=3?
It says h=11 m=29
